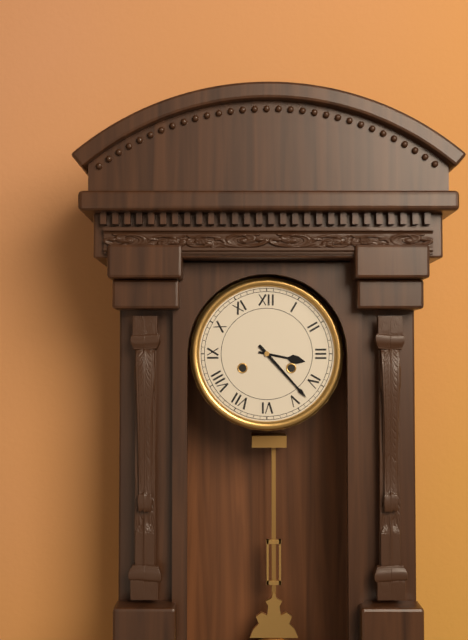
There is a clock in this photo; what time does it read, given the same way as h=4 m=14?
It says h=3 m=23
